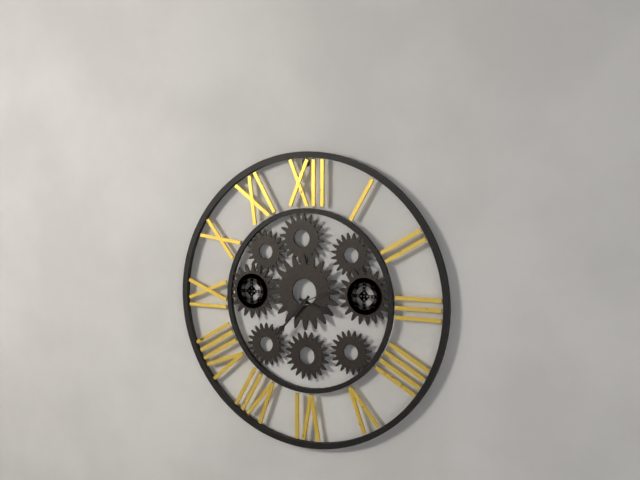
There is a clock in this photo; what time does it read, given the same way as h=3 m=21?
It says h=3 m=37
